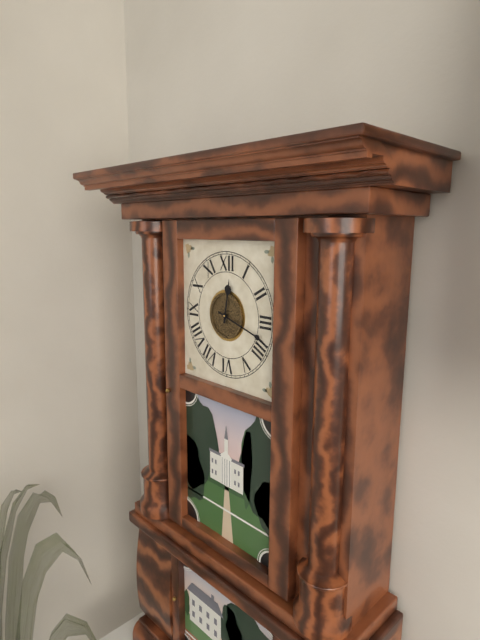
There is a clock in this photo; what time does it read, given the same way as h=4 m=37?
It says h=12 m=18
